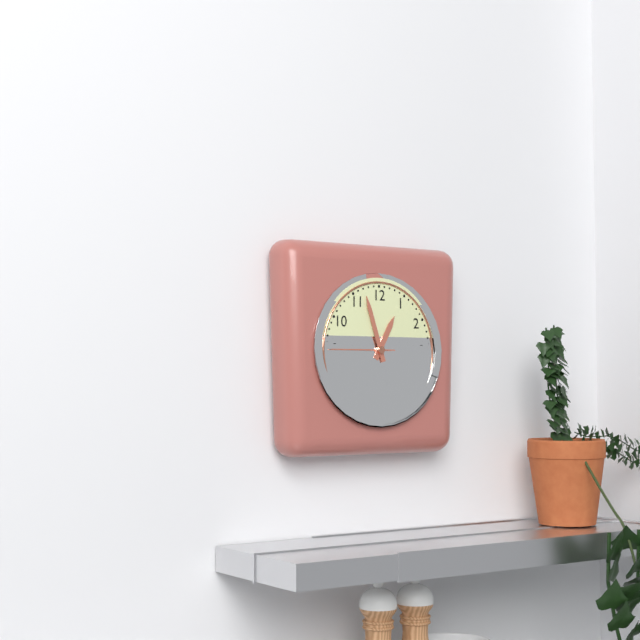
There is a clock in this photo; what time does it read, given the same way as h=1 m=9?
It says h=12 m=57
